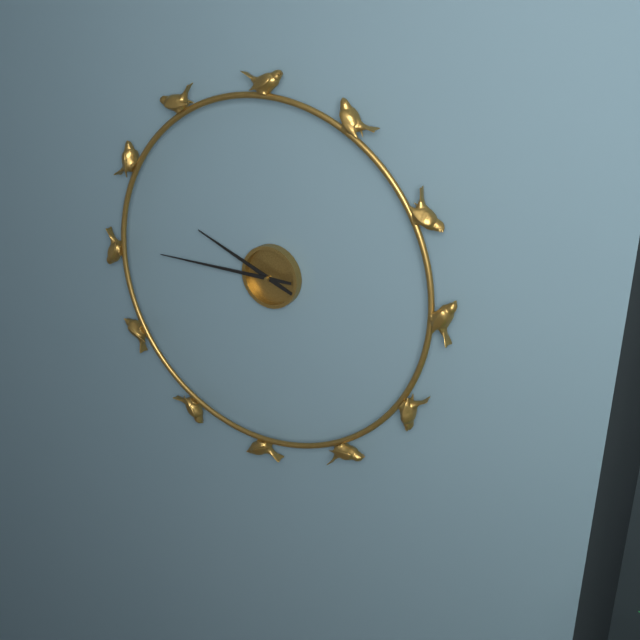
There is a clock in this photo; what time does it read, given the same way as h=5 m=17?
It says h=9 m=45
